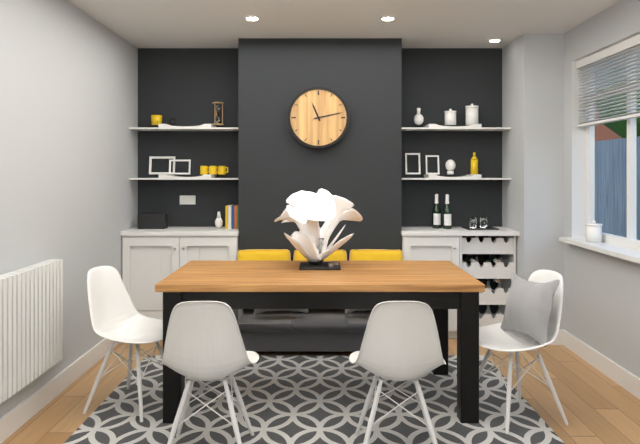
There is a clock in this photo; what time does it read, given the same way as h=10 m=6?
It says h=11 m=13
